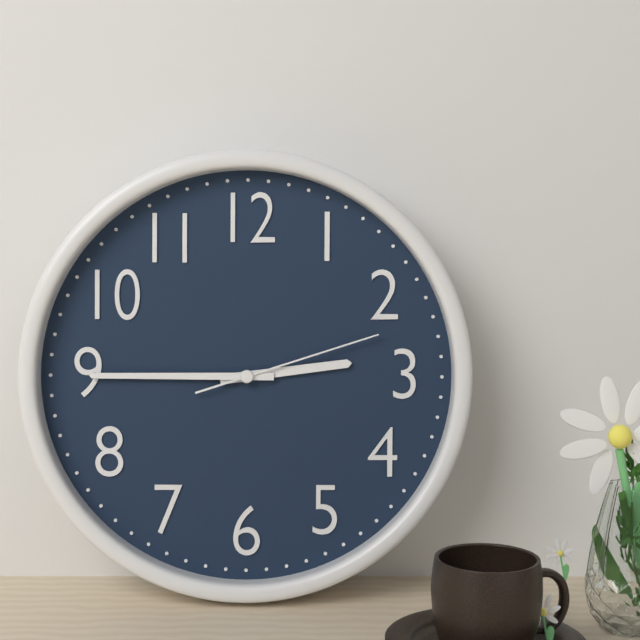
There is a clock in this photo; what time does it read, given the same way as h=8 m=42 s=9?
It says h=2 m=45 s=12
